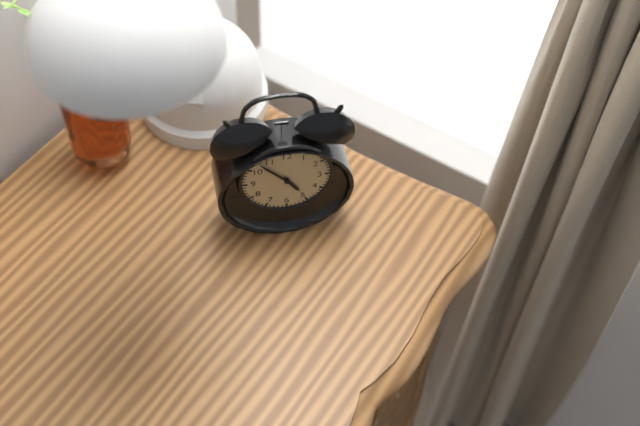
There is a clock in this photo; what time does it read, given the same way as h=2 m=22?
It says h=4 m=53
